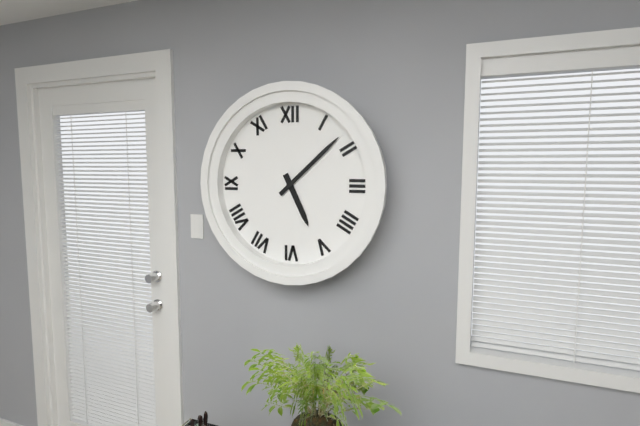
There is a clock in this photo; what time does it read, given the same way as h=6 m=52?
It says h=5 m=8
